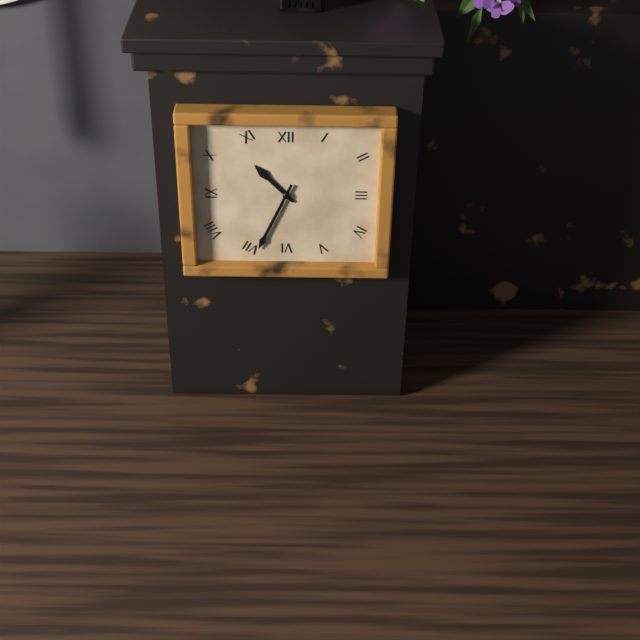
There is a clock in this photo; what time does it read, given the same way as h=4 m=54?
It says h=10 m=34
